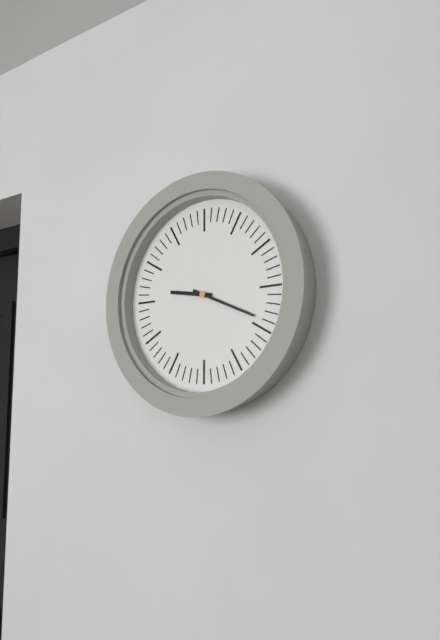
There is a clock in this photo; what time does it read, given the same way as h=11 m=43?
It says h=9 m=19
